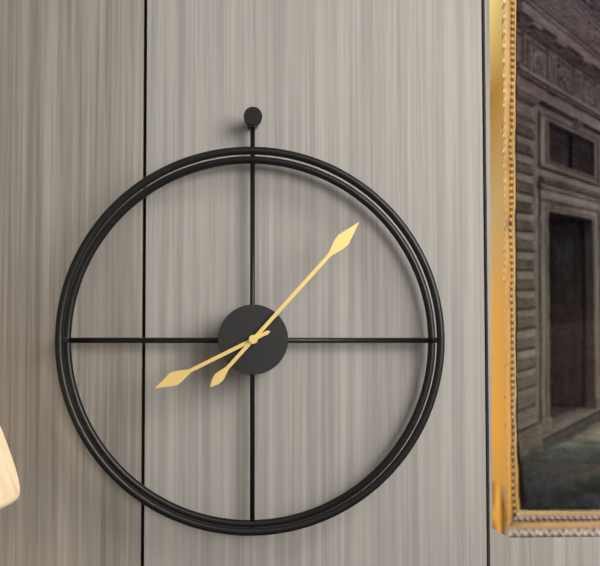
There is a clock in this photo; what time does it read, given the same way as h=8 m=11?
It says h=8 m=7
